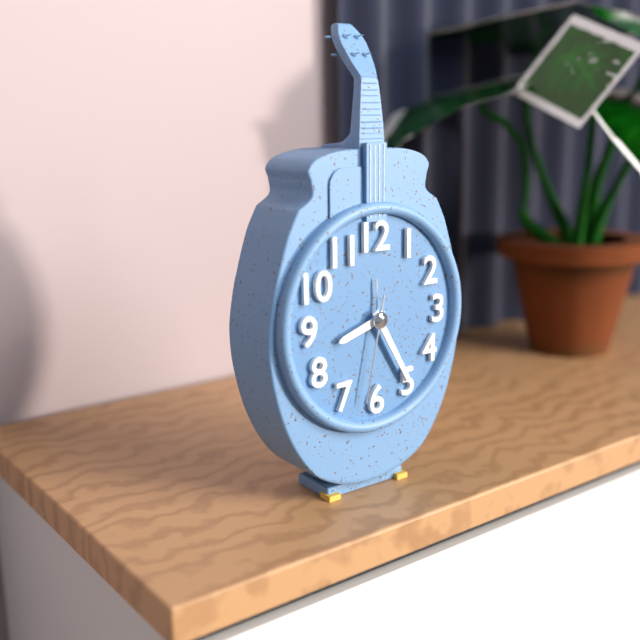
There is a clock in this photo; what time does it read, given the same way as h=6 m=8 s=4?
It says h=8 m=25 s=32
